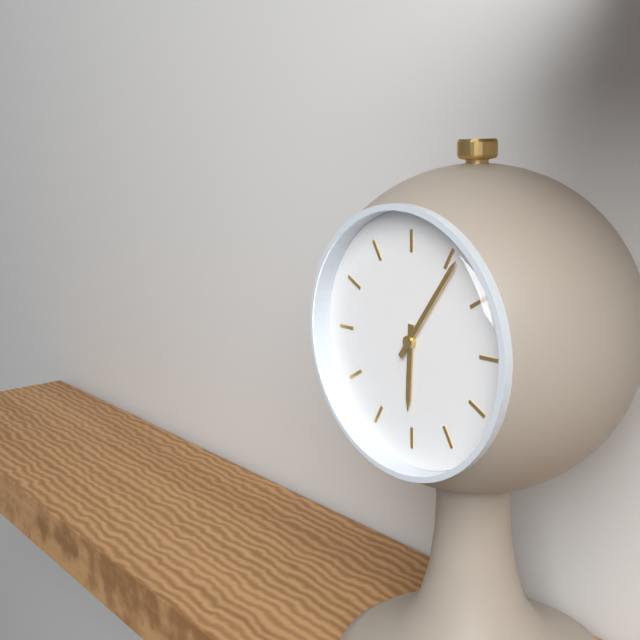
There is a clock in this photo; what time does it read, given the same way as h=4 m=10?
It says h=6 m=6
